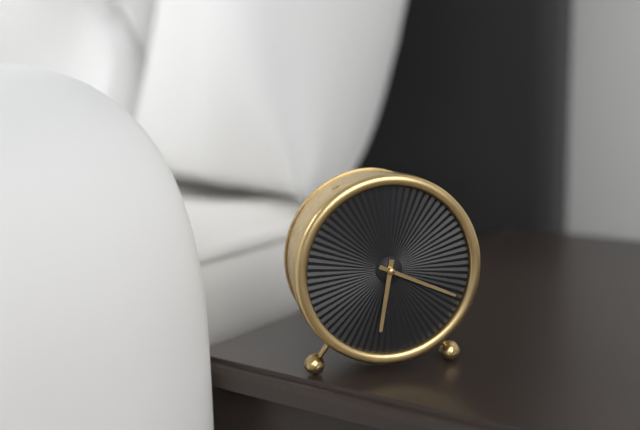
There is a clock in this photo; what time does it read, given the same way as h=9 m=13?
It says h=6 m=19
